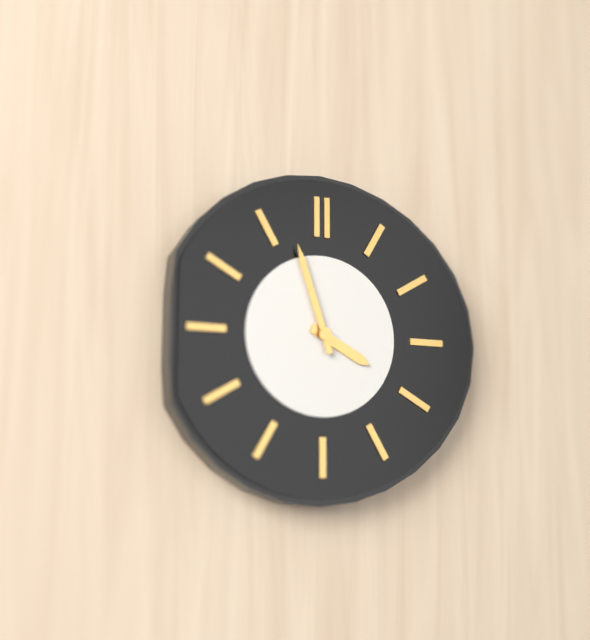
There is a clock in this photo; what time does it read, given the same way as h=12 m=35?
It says h=3 m=57
